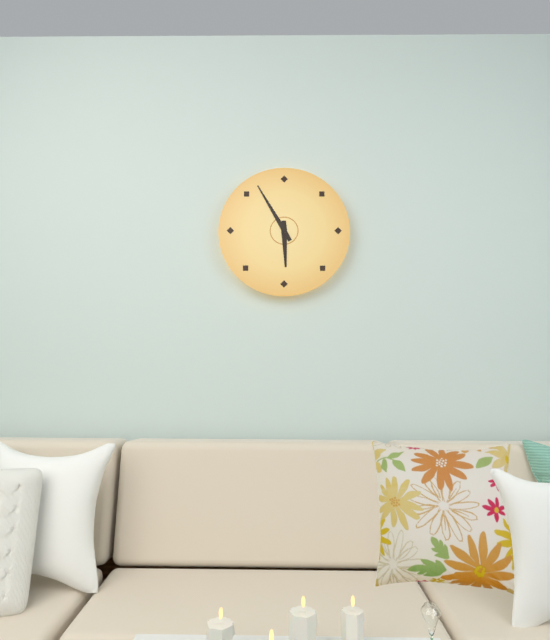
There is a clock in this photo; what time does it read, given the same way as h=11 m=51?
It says h=5 m=55
